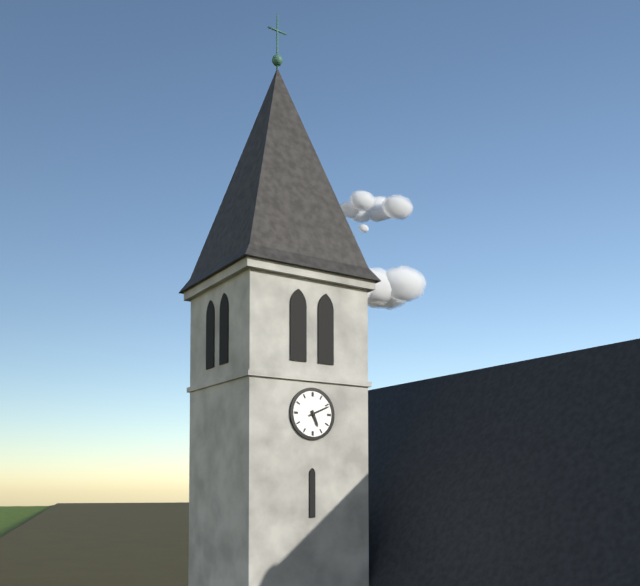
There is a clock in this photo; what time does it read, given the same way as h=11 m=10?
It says h=5 m=11
